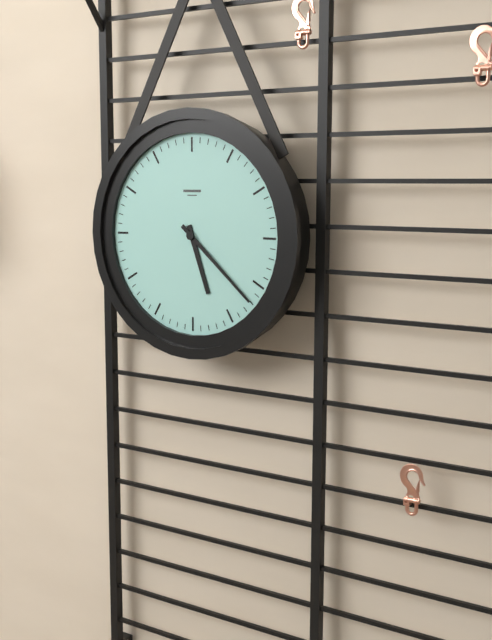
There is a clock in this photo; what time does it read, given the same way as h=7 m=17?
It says h=5 m=22
